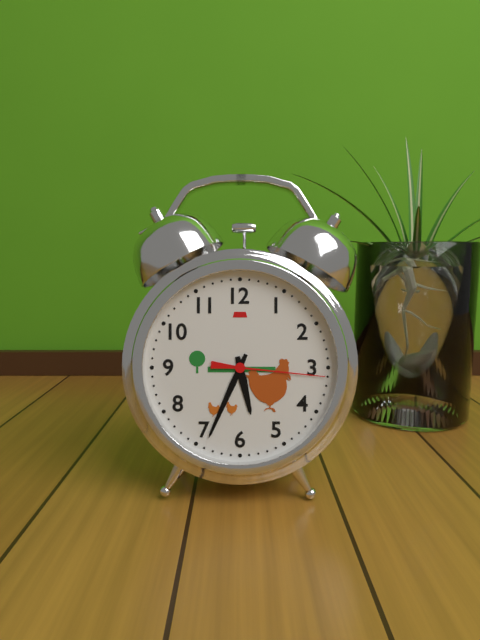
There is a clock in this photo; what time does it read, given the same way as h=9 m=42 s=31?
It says h=5 m=34 s=16
